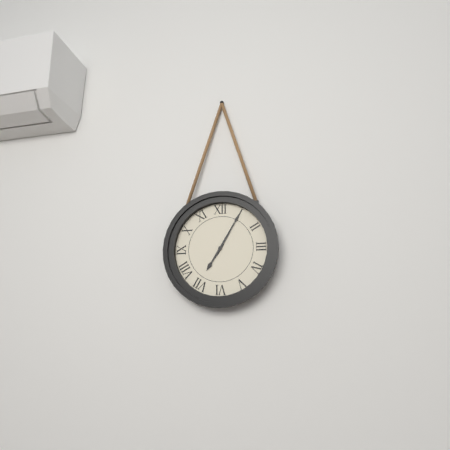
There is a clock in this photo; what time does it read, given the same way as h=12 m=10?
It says h=7 m=5
